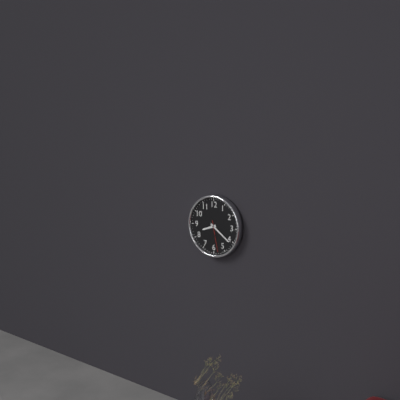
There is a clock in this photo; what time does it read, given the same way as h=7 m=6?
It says h=8 m=21
